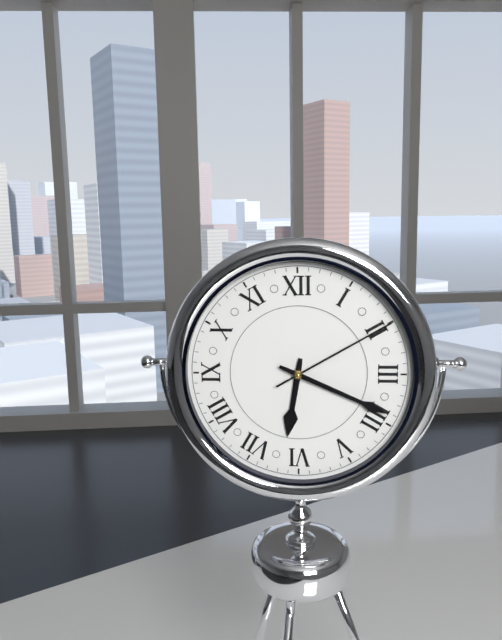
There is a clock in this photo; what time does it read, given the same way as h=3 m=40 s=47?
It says h=6 m=19 s=10
